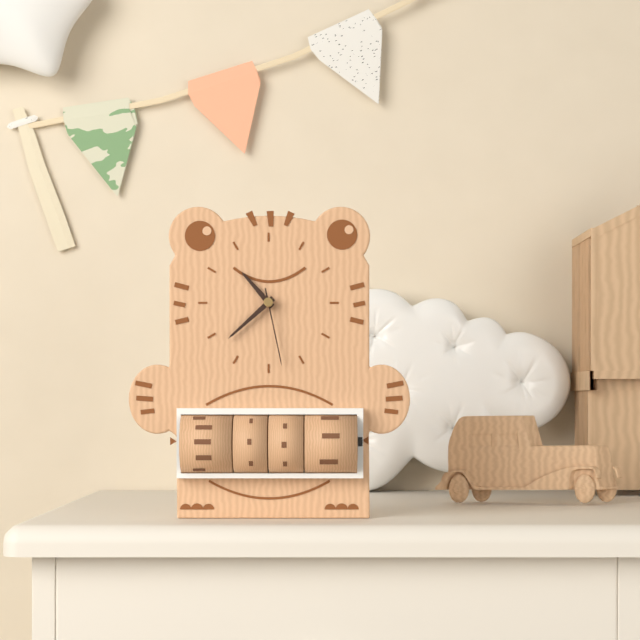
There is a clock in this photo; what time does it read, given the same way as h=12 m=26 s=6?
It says h=10 m=38 s=28
